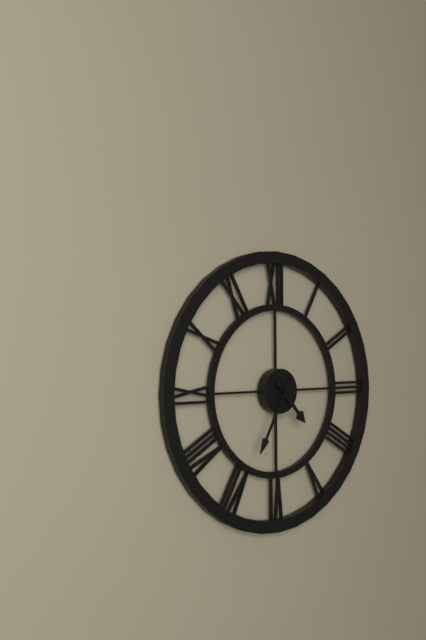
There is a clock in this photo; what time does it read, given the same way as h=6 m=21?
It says h=4 m=35
